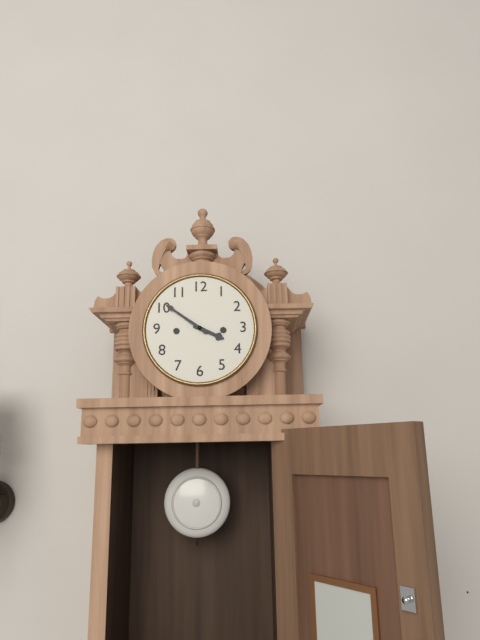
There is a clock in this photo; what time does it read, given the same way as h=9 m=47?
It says h=3 m=51
